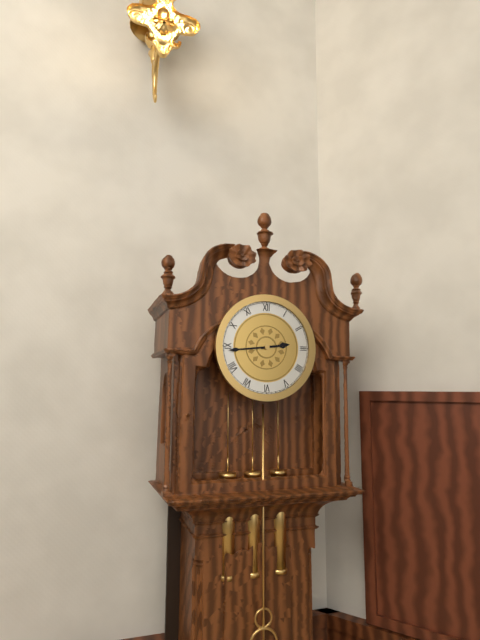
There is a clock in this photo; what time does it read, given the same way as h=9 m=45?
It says h=2 m=44
